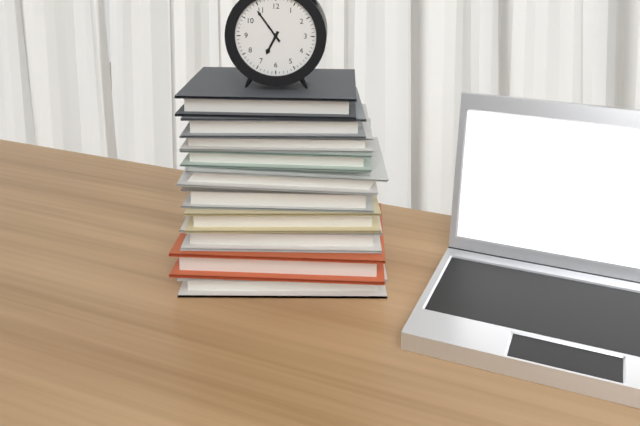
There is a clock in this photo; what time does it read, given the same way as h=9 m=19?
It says h=6 m=54
